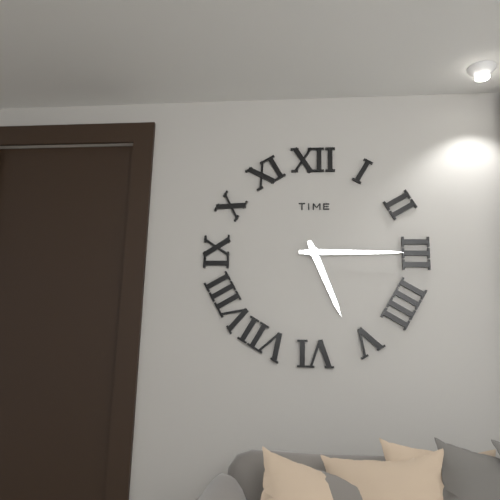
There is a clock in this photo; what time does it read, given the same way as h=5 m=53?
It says h=5 m=15
